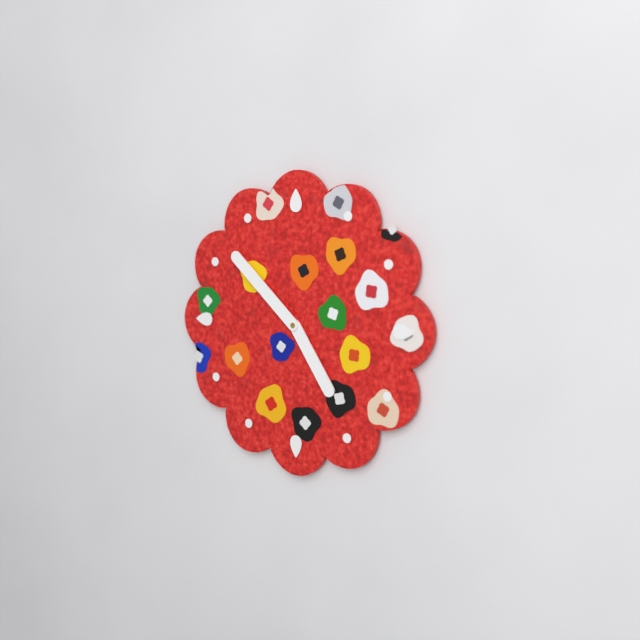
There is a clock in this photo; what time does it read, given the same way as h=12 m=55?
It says h=4 m=52
